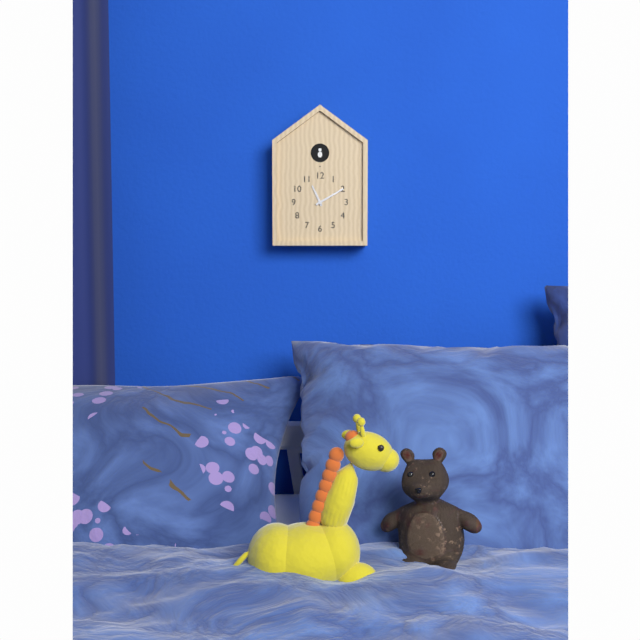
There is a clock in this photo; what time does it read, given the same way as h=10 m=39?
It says h=11 m=10
